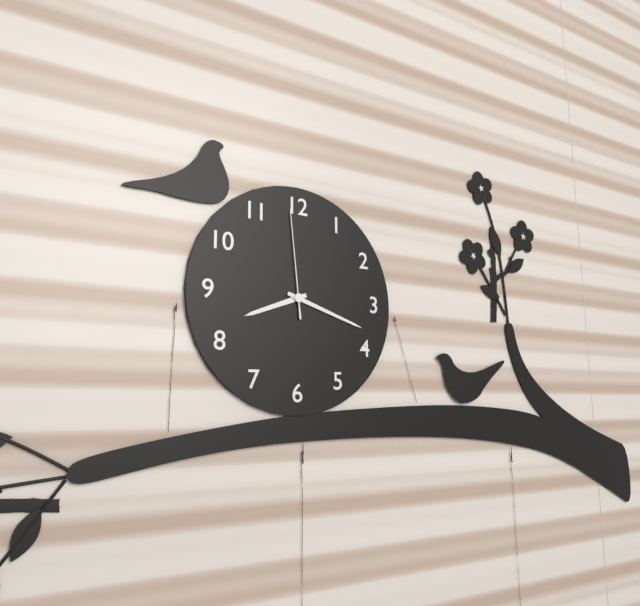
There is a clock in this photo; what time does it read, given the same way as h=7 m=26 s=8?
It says h=8 m=18 s=59
